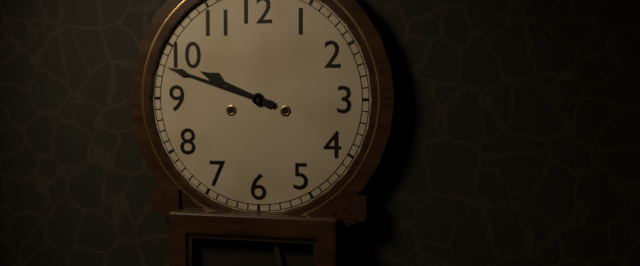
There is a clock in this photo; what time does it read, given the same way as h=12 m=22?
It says h=9 m=48
